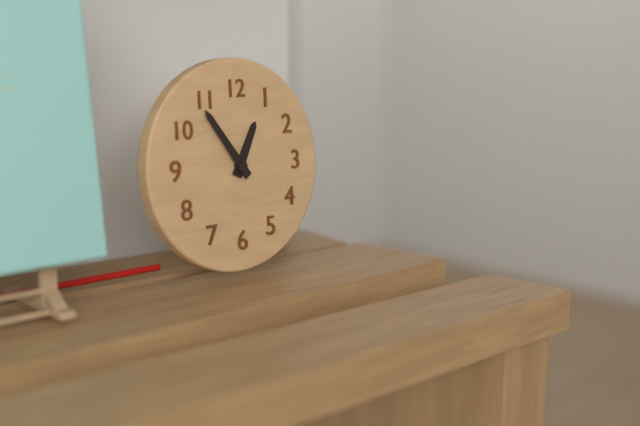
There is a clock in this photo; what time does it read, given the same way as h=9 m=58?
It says h=12 m=54
